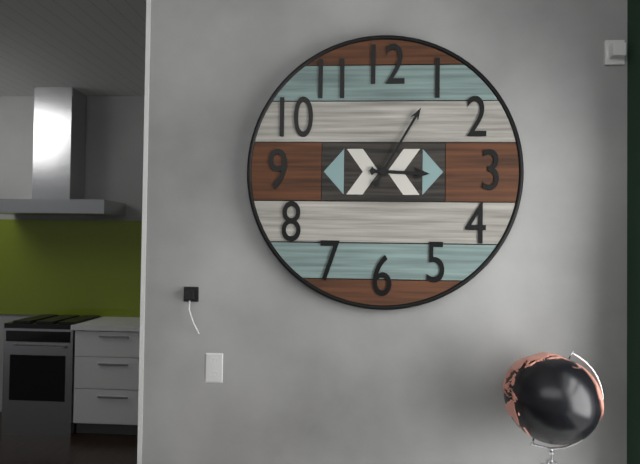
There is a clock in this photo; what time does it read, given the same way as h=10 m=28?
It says h=3 m=5
